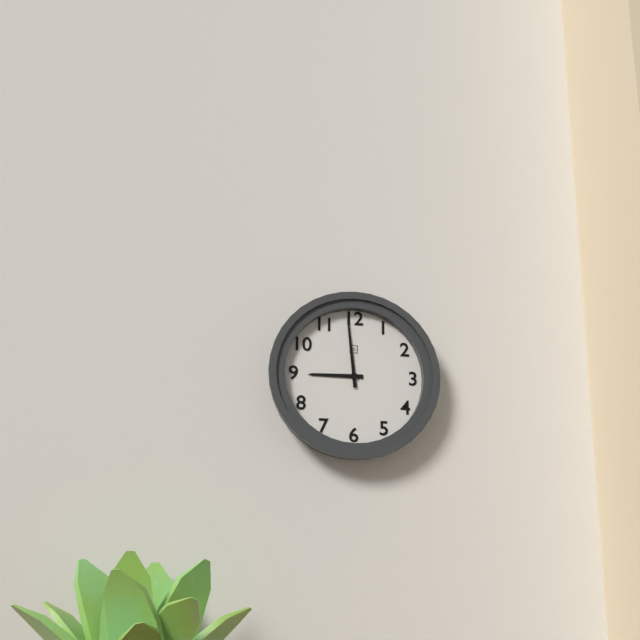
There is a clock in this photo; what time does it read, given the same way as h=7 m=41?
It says h=8 m=59
